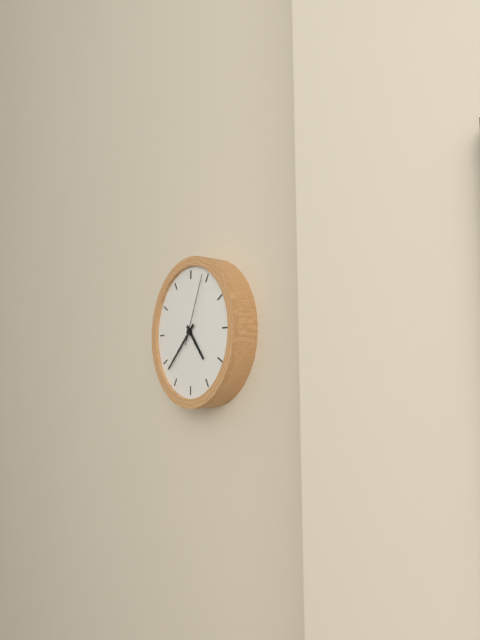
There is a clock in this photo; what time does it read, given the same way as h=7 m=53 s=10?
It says h=4 m=38 s=4
